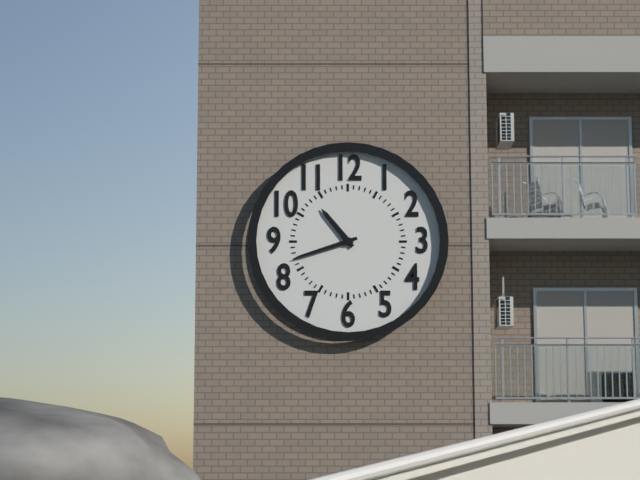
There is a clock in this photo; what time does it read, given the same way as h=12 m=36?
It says h=10 m=42
